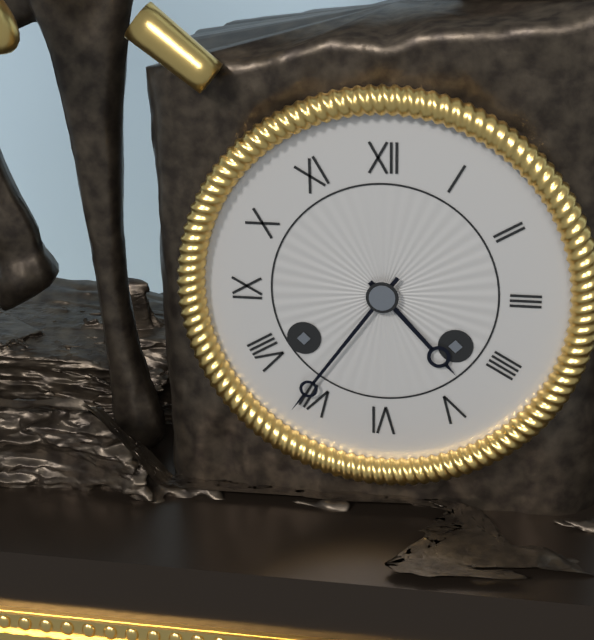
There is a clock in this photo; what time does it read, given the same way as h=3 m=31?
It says h=4 m=36
